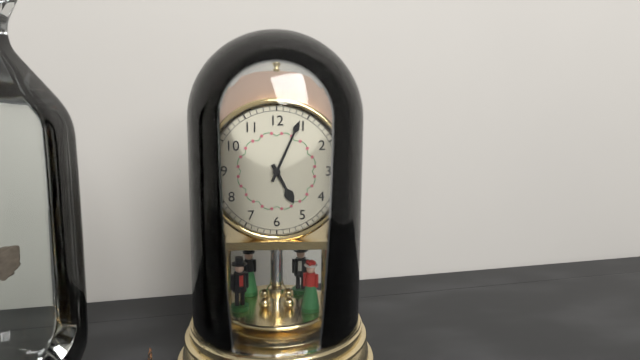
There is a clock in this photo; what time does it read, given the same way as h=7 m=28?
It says h=5 m=4
